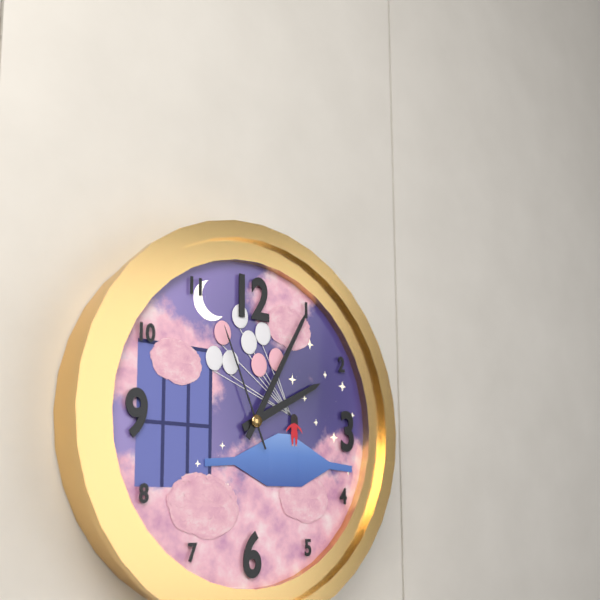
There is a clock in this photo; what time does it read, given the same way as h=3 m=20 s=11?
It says h=2 m=5 s=56
